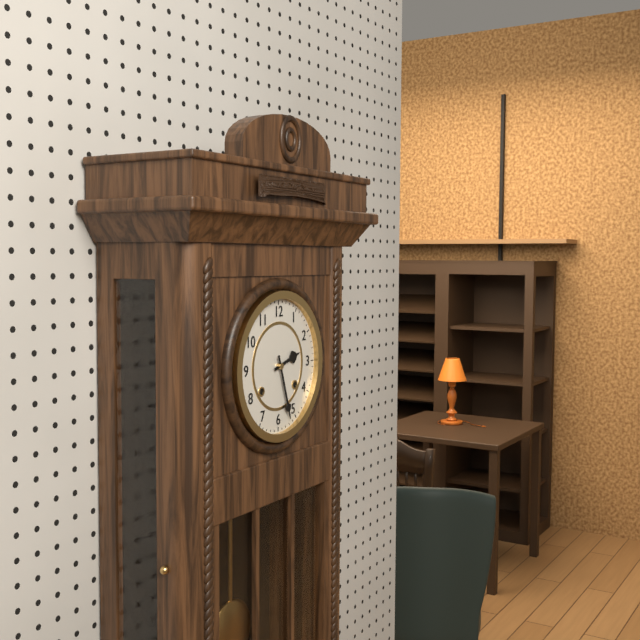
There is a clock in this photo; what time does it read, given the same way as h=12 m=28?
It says h=2 m=27
